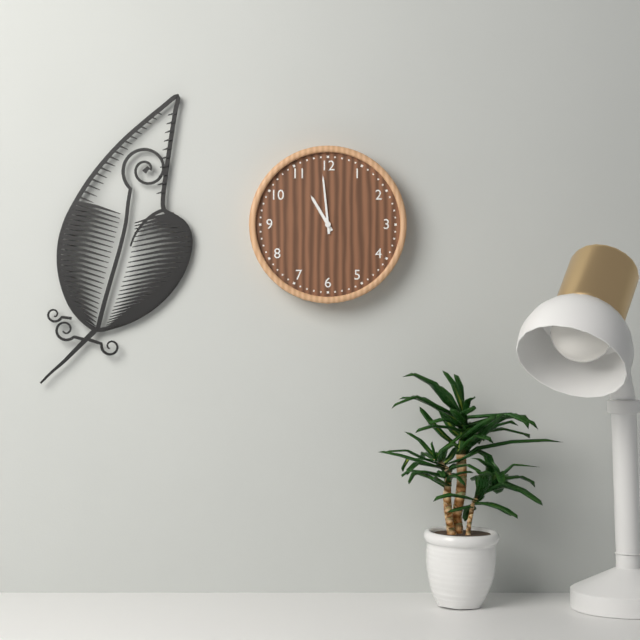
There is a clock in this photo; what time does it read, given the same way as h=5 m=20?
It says h=10 m=59
